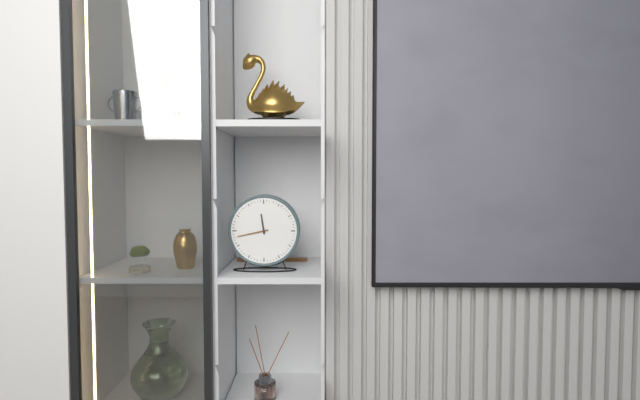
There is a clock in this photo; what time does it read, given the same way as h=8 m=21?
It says h=11 m=43
